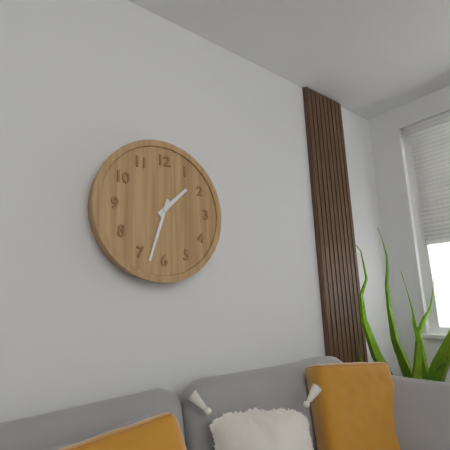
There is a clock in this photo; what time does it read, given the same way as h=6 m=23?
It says h=1 m=33
